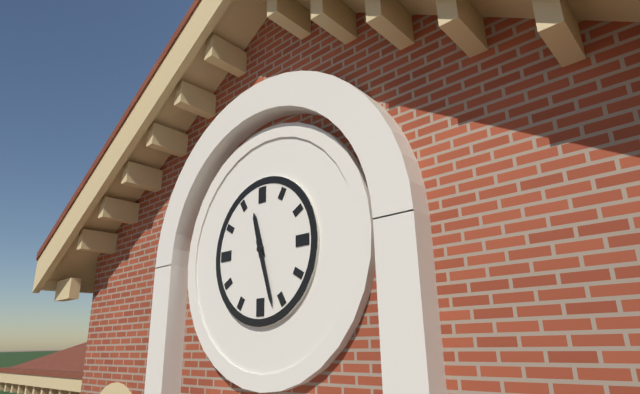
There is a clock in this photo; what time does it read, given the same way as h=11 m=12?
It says h=11 m=27
